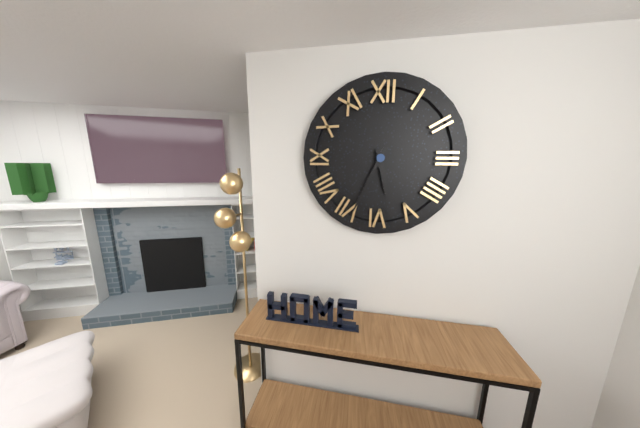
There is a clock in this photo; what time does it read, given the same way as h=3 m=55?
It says h=5 m=34
